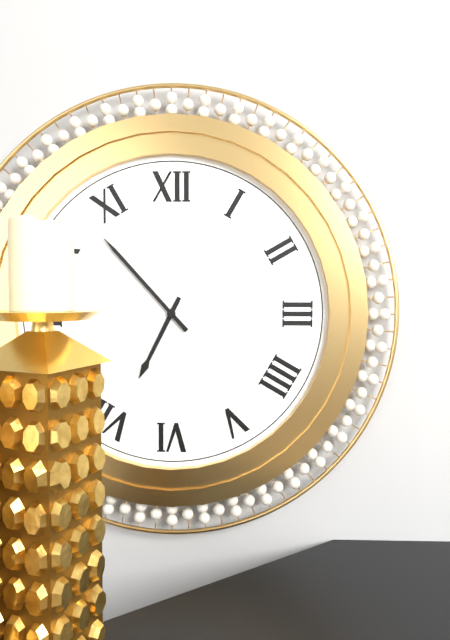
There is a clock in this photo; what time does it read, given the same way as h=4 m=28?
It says h=6 m=53
